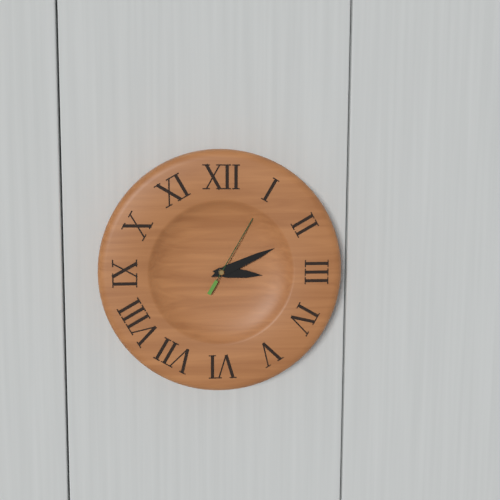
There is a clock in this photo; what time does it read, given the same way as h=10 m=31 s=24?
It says h=3 m=11 s=5
